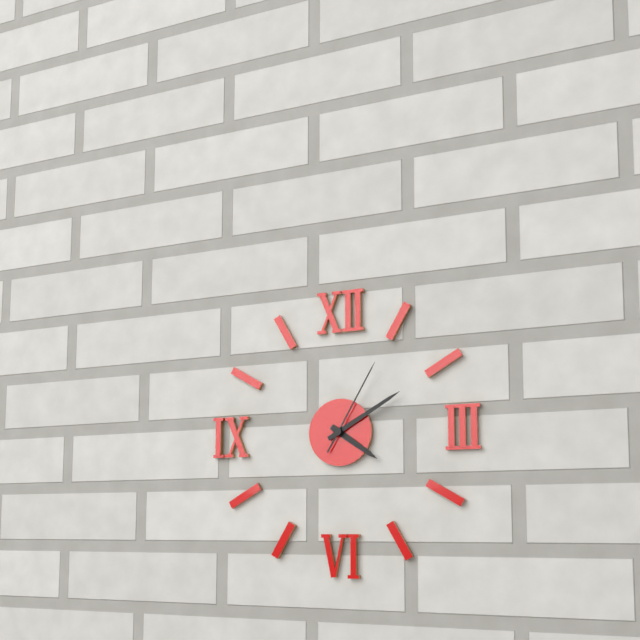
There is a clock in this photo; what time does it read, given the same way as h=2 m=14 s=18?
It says h=4 m=10 s=5
